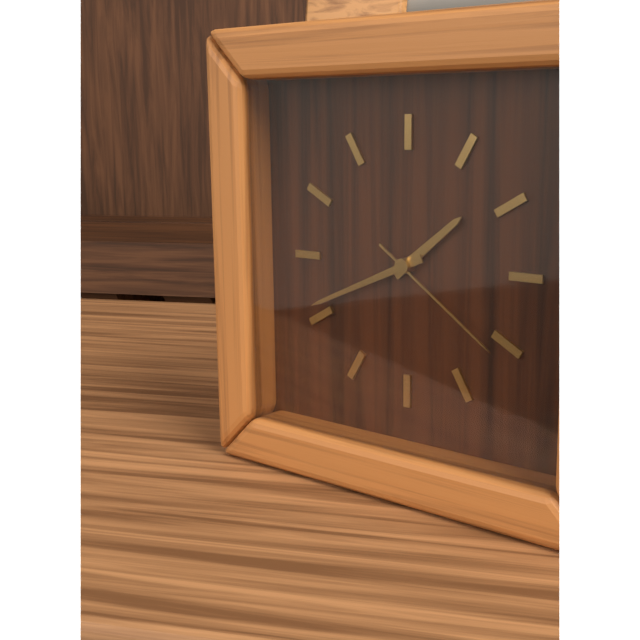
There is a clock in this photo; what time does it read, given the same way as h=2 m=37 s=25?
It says h=1 m=41 s=21
